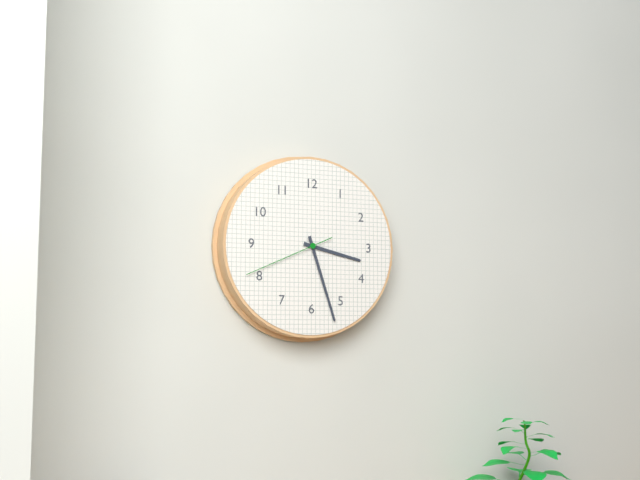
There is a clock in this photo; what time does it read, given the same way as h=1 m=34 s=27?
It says h=3 m=27 s=41
